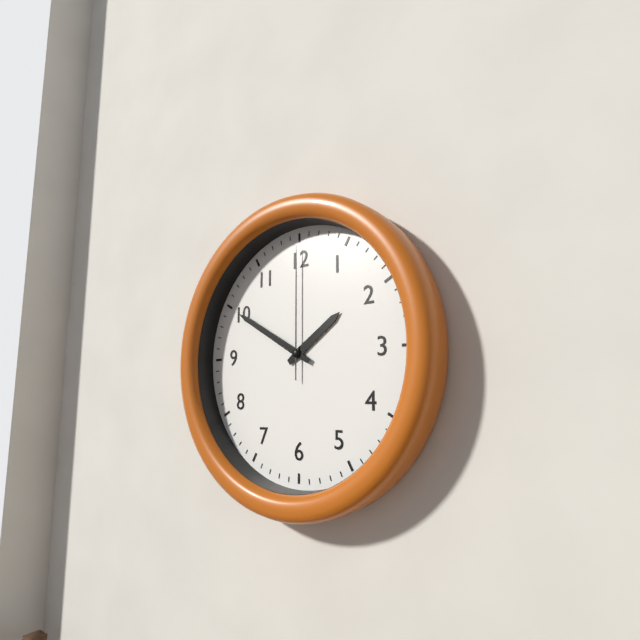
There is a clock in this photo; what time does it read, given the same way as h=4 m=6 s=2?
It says h=1 m=50 s=0
